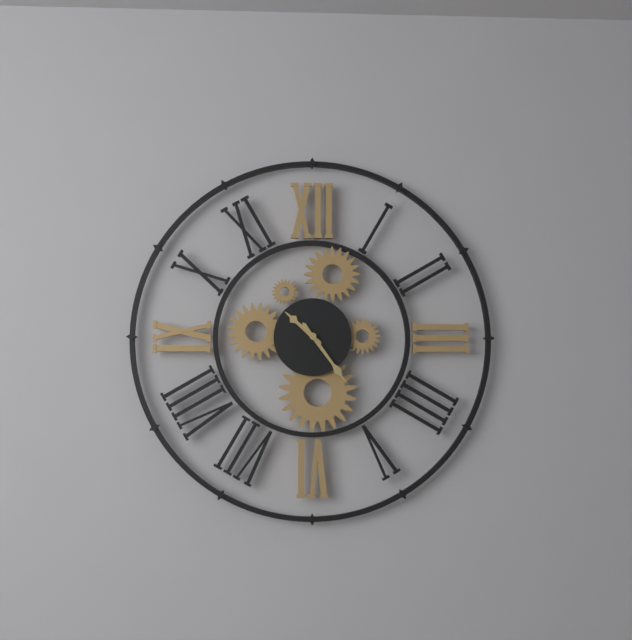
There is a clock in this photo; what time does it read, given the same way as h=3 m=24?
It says h=10 m=24
